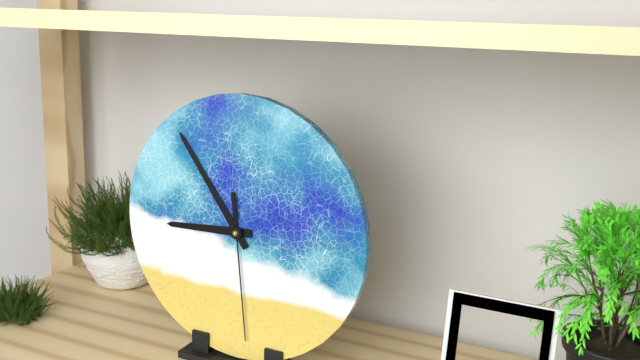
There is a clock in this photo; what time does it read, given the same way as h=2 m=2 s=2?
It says h=8 m=54 s=29
